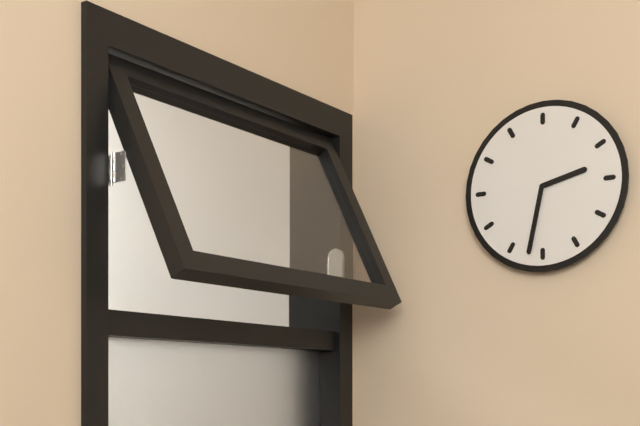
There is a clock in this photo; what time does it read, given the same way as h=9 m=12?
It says h=2 m=32
